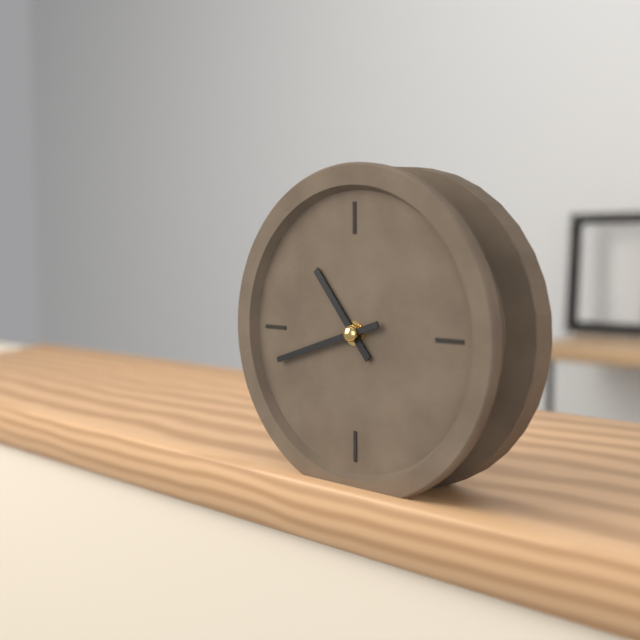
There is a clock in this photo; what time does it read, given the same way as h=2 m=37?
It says h=10 m=42
